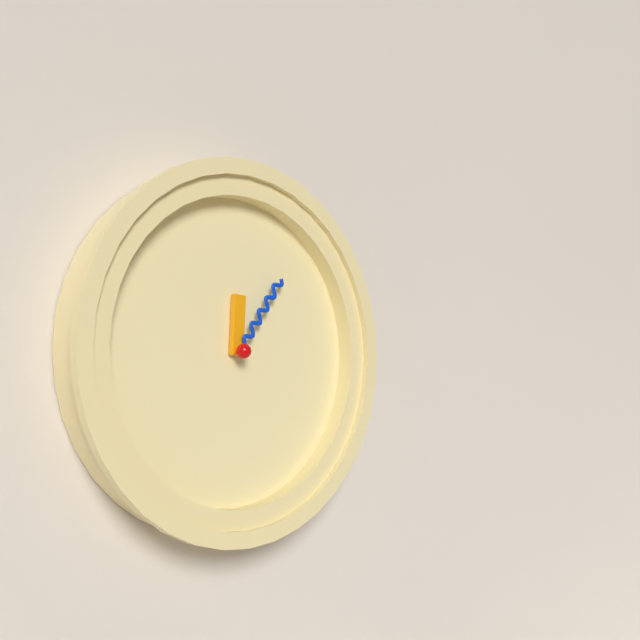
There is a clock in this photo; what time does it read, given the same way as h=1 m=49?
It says h=12 m=6
